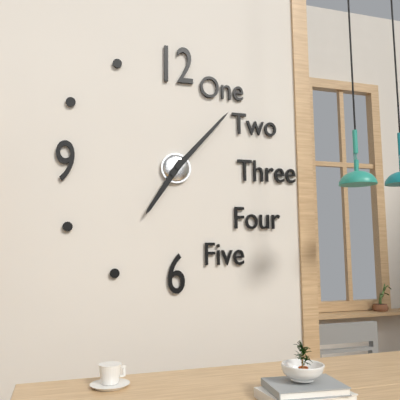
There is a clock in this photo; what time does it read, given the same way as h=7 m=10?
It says h=7 m=7
